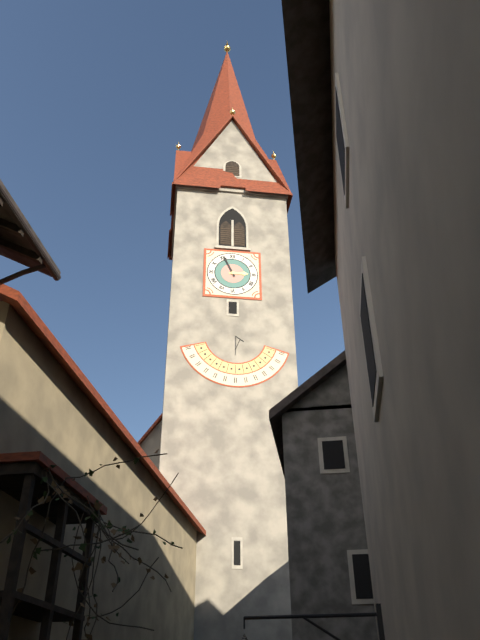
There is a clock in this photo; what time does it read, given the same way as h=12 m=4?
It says h=2 m=56
